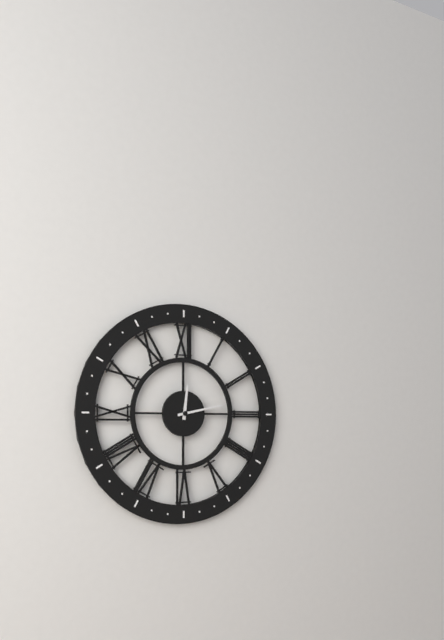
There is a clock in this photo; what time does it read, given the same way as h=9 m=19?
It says h=12 m=13
